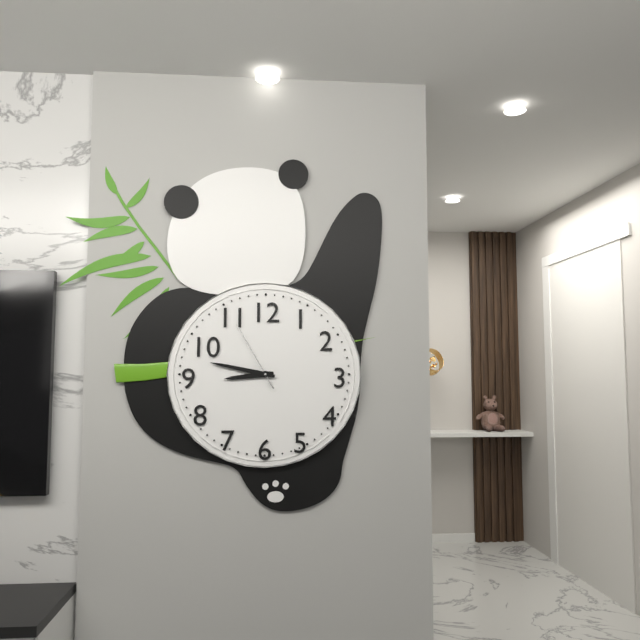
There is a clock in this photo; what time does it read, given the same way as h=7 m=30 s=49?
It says h=8 m=47 s=55
